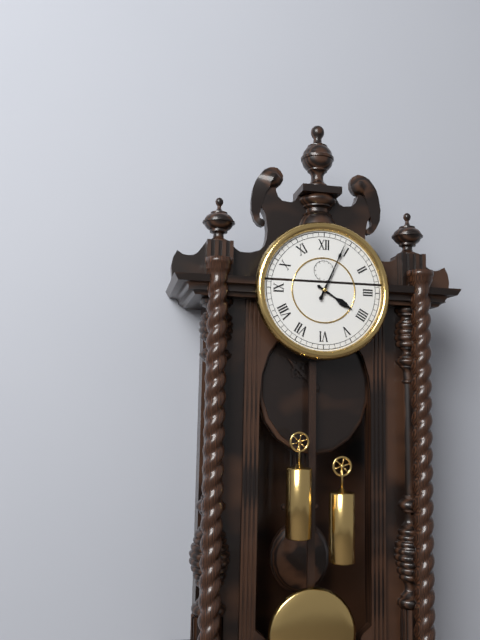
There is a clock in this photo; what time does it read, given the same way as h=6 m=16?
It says h=4 m=4
